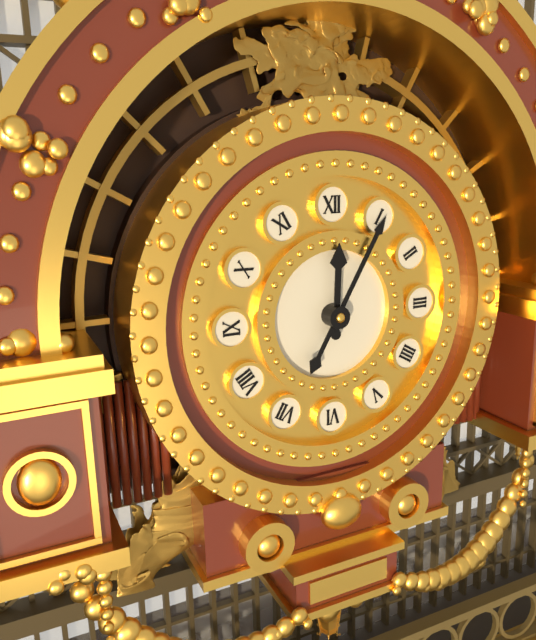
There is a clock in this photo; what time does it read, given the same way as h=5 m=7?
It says h=12 m=5
